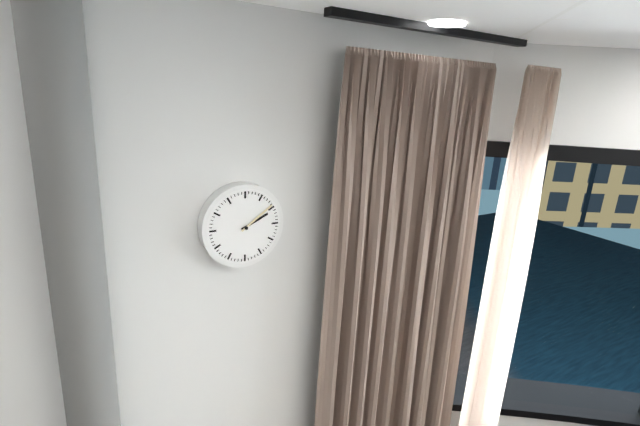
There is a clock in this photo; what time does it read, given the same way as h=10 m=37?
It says h=2 m=9
